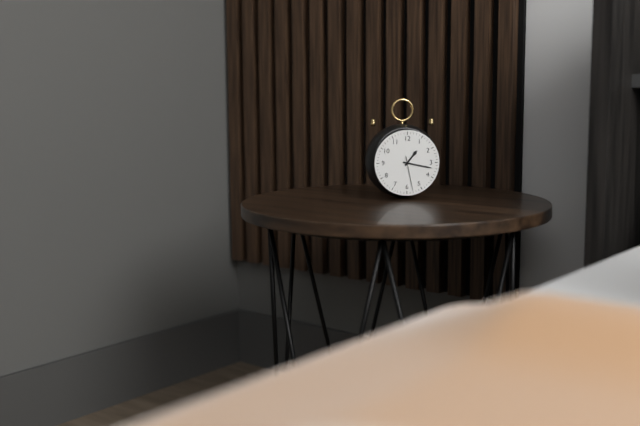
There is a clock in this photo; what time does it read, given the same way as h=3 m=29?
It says h=1 m=17
